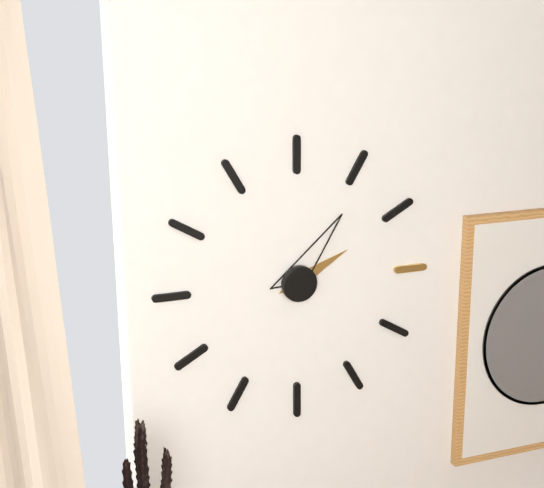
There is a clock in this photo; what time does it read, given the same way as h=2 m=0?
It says h=2 m=6
